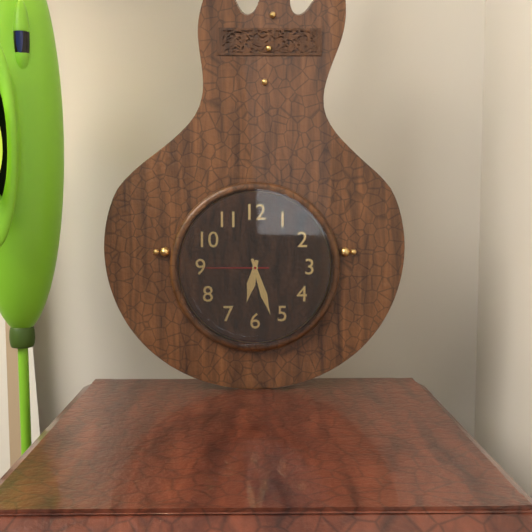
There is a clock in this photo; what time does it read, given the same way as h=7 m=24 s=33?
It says h=6 m=27 s=45
